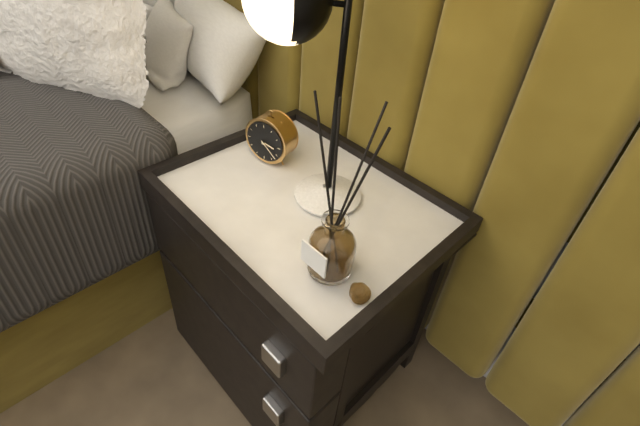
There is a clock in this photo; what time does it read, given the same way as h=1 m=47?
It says h=3 m=22
